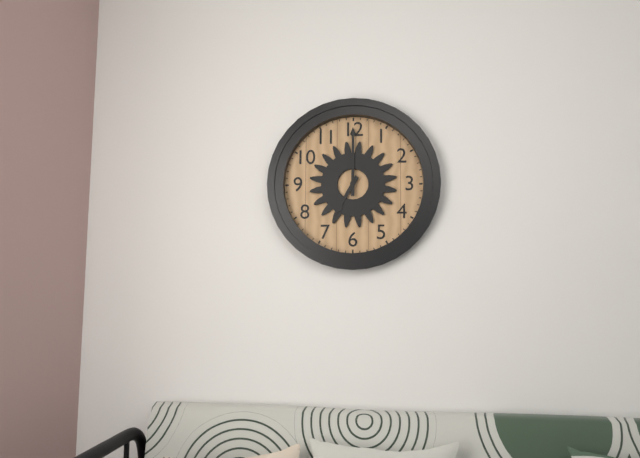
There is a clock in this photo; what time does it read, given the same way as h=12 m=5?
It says h=7 m=0
